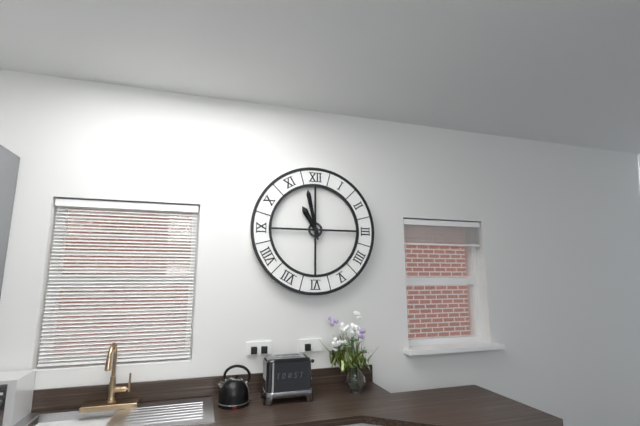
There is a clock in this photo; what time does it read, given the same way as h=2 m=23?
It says h=10 m=58
